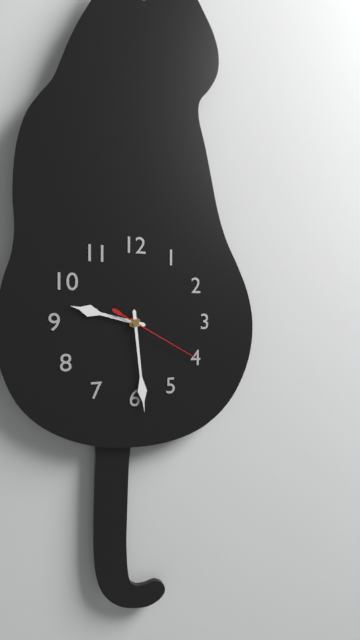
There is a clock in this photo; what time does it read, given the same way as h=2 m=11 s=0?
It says h=9 m=29 s=20
